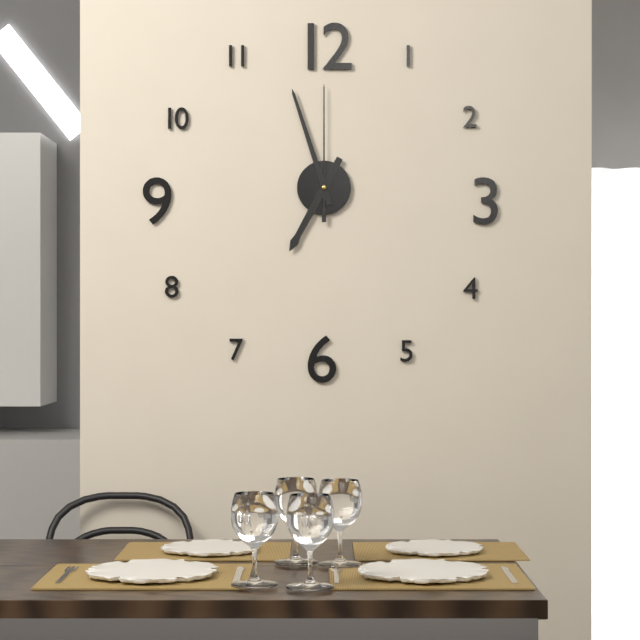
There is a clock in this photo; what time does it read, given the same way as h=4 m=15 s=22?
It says h=6 m=57 s=0
